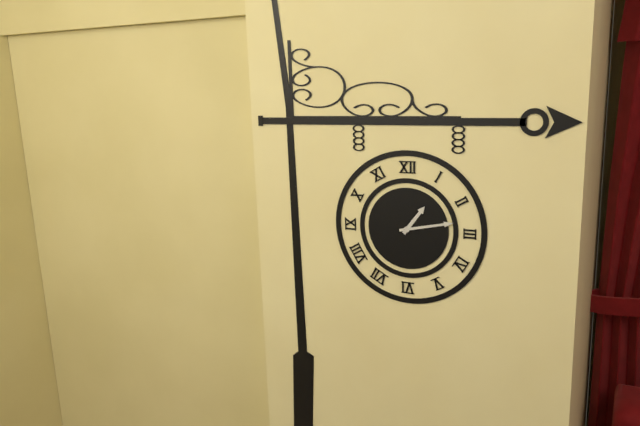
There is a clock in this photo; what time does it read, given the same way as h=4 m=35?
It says h=1 m=13
